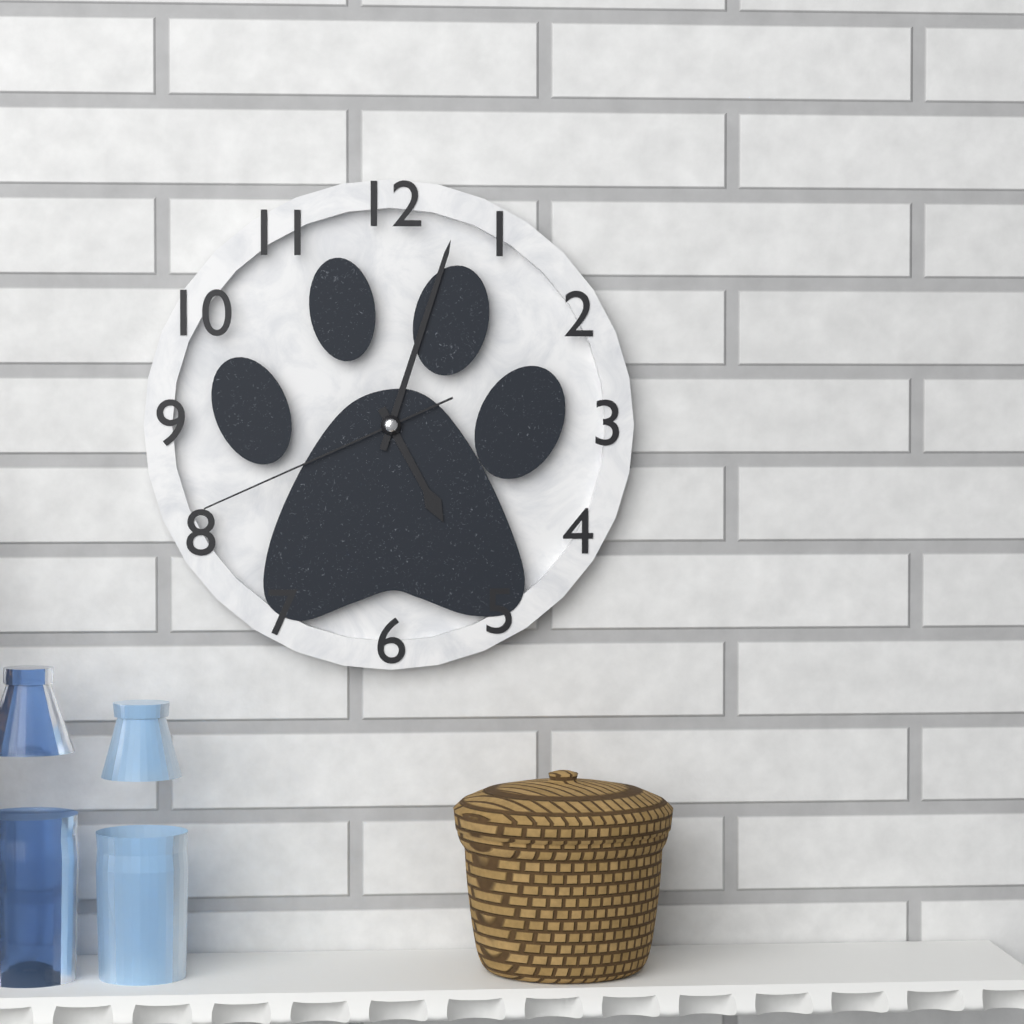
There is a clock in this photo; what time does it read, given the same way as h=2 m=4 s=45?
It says h=5 m=3 s=41
